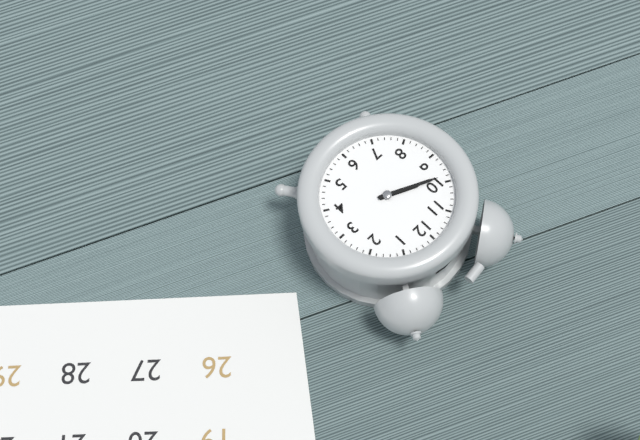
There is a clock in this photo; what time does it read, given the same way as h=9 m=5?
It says h=9 m=49
